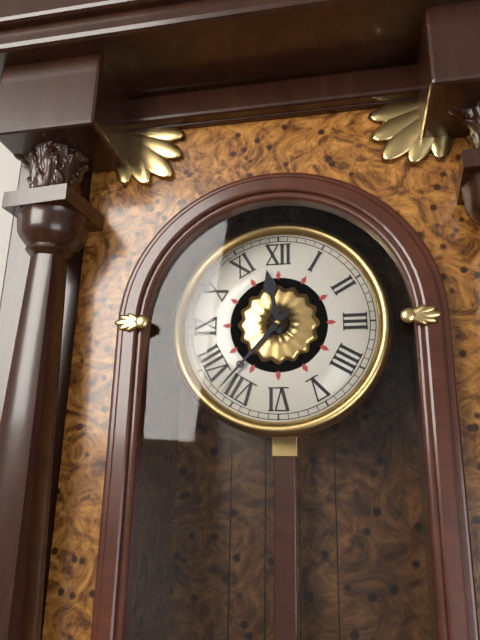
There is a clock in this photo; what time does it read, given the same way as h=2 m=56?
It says h=11 m=37
